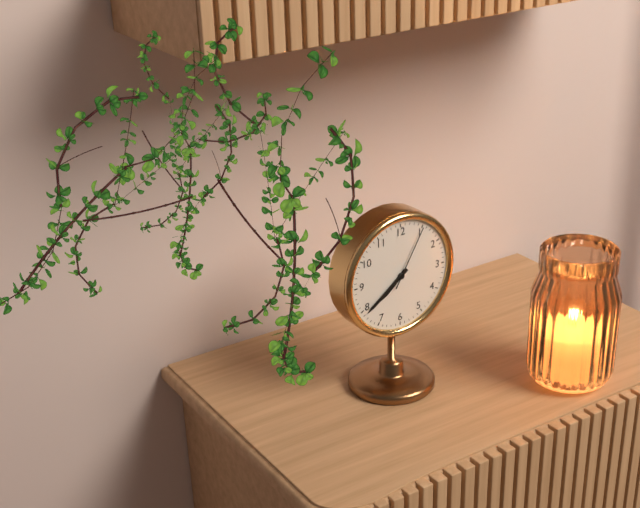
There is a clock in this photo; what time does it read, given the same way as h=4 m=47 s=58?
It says h=7 m=39 s=5
